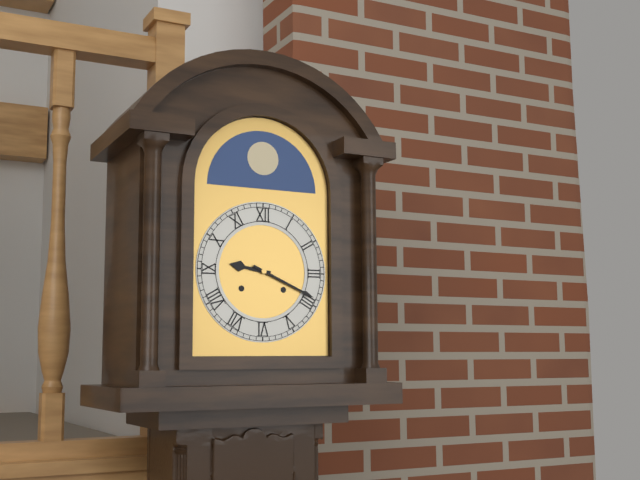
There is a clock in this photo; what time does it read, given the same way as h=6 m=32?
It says h=9 m=19
